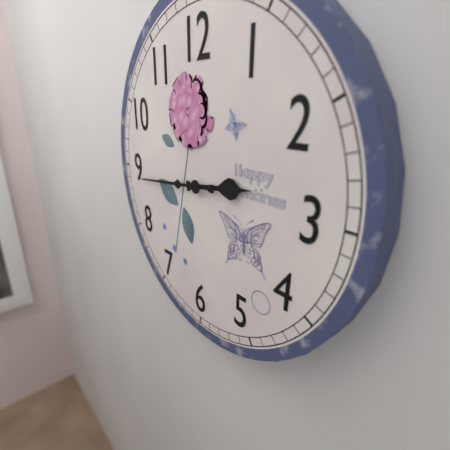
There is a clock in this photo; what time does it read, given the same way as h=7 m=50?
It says h=2 m=44
